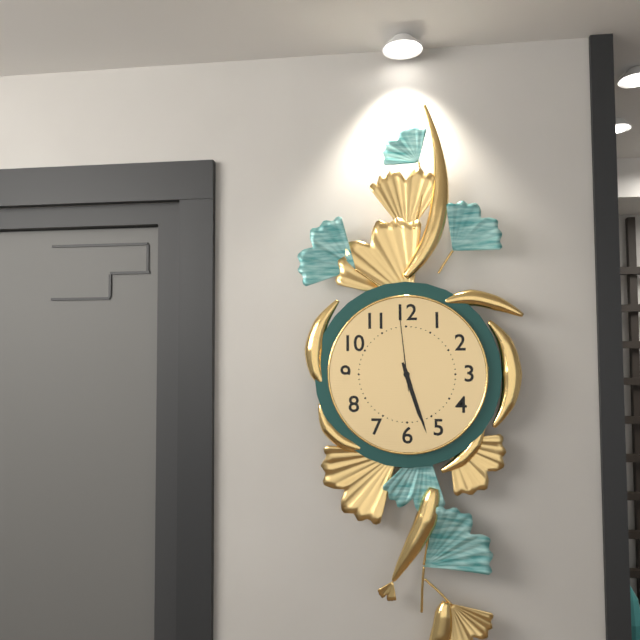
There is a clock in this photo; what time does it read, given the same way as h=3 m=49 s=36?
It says h=5 m=27 s=59
